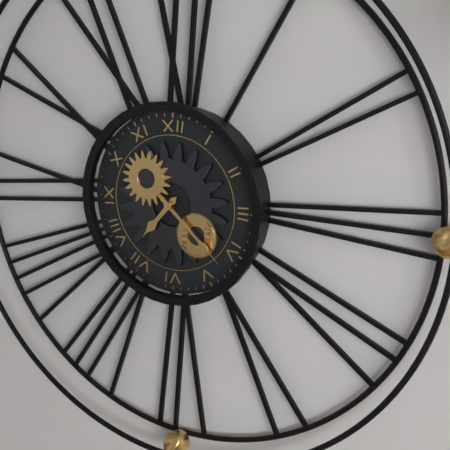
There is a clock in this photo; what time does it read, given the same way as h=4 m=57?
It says h=7 m=22
